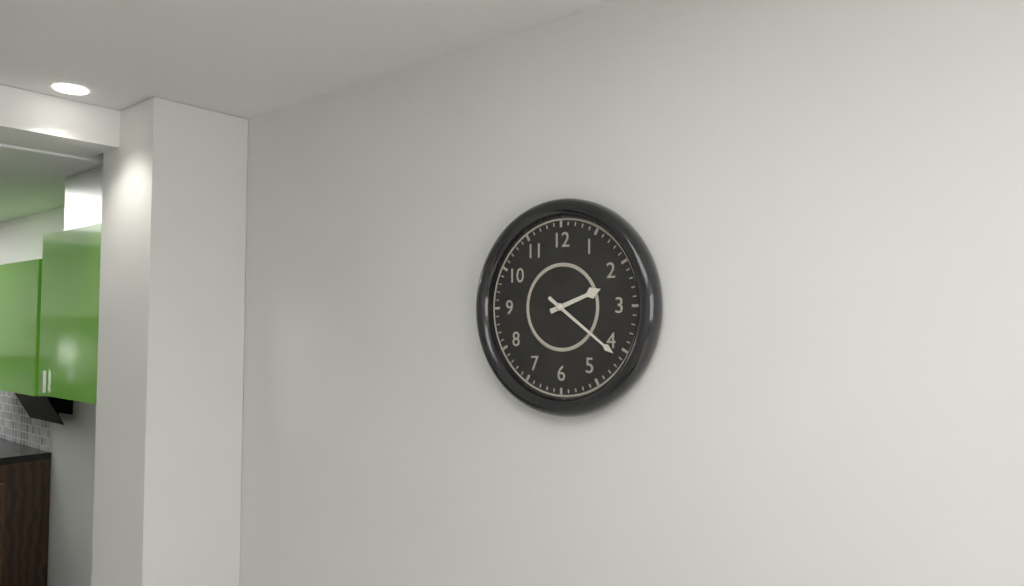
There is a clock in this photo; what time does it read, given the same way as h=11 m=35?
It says h=2 m=21
